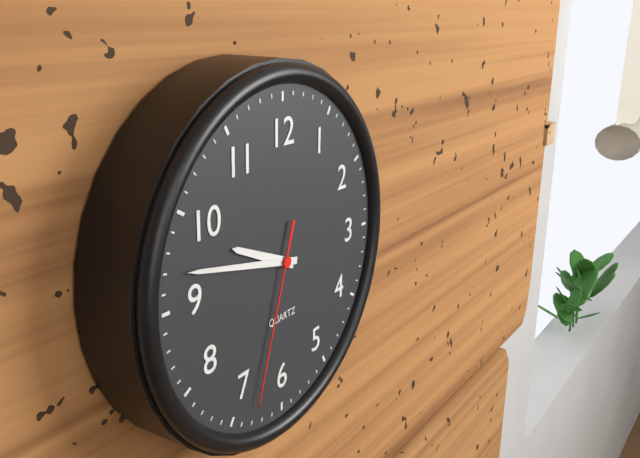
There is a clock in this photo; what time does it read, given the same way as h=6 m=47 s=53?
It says h=9 m=47 s=33
